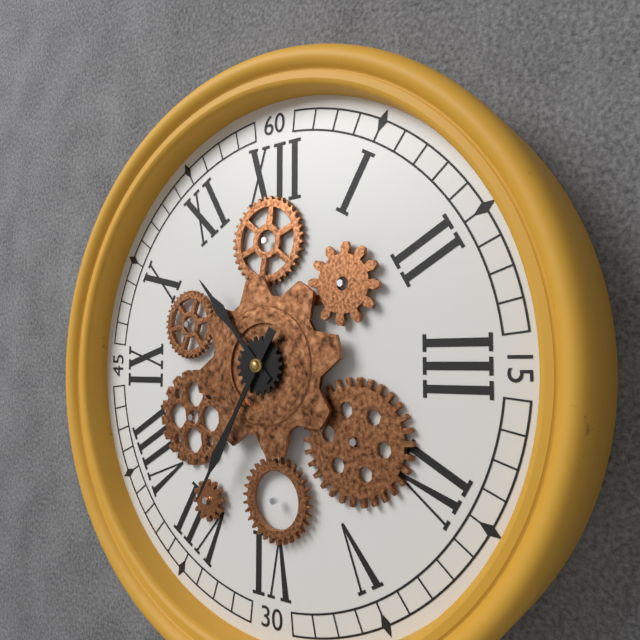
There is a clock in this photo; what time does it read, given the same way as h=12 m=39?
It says h=10 m=35
